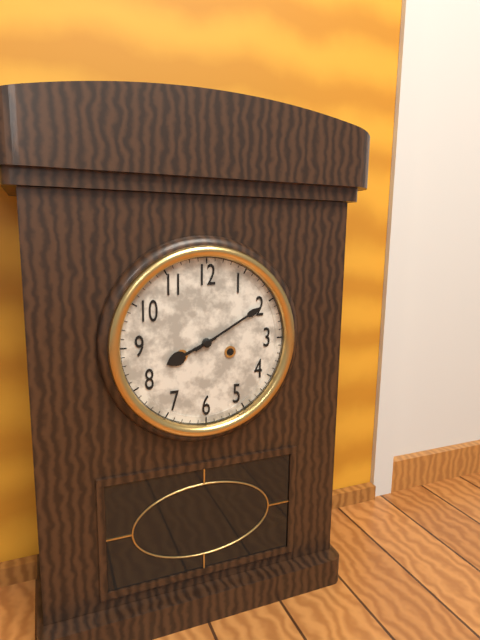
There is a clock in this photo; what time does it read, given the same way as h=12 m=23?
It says h=8 m=10
